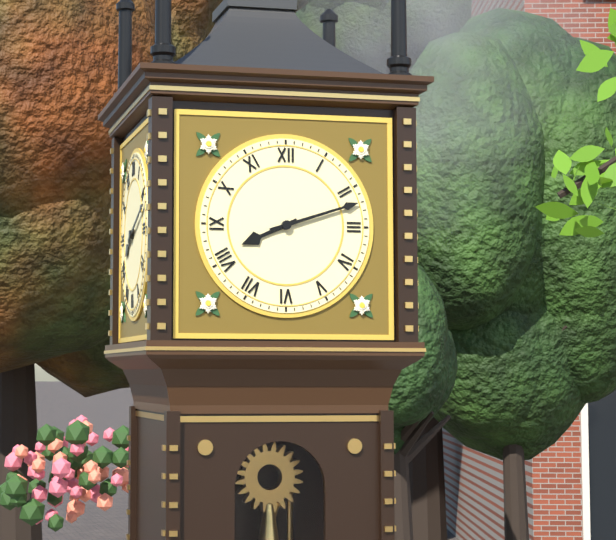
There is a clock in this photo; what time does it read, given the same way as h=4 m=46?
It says h=8 m=12
